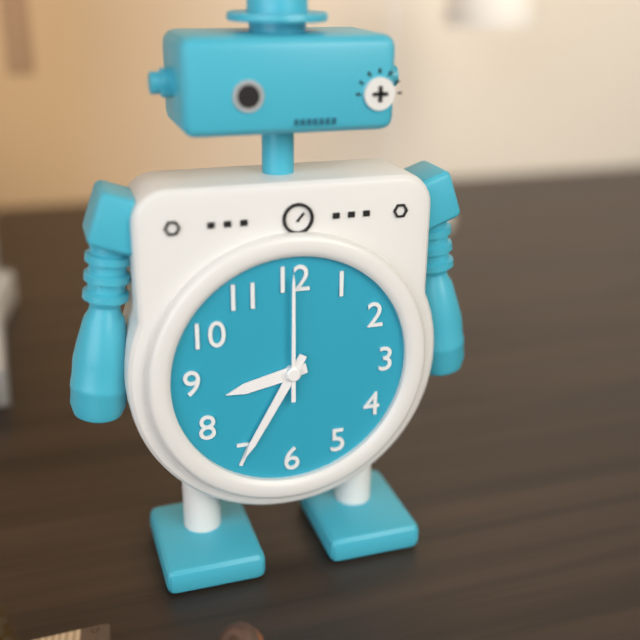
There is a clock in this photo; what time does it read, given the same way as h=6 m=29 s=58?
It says h=8 m=35 s=0
